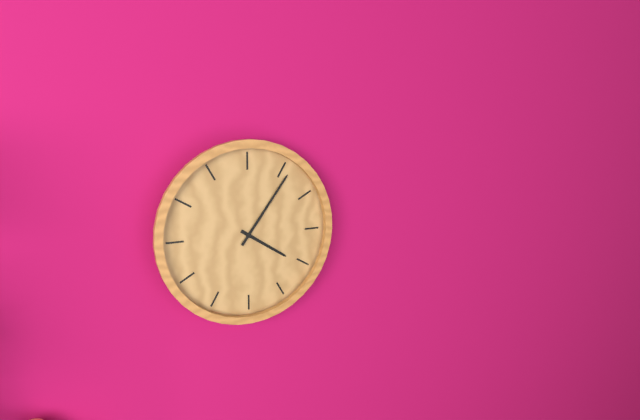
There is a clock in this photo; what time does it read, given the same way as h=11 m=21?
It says h=4 m=6
